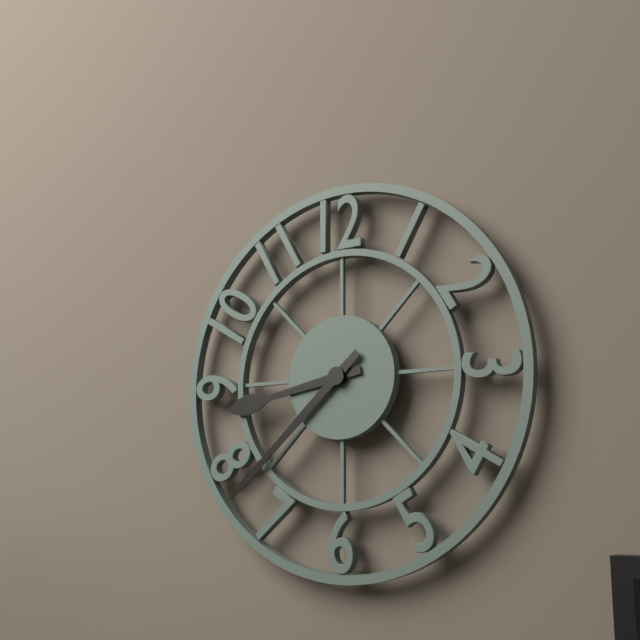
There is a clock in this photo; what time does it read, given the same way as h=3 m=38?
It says h=8 m=38
